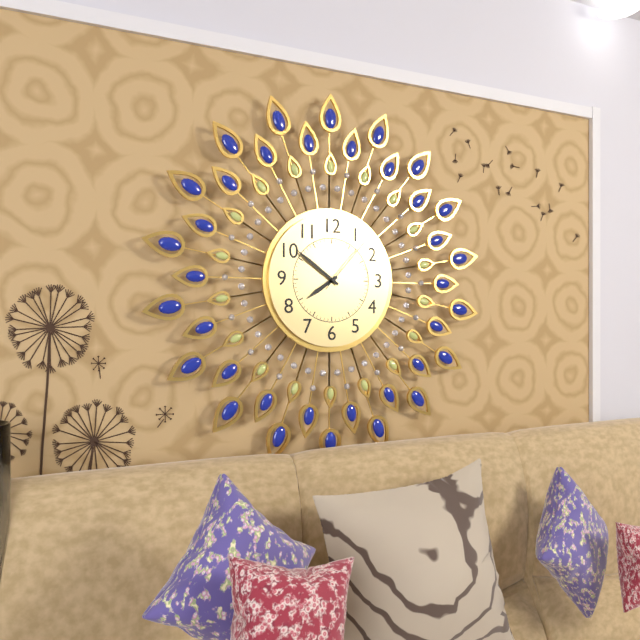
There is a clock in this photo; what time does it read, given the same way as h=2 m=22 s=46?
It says h=7 m=51 s=7
